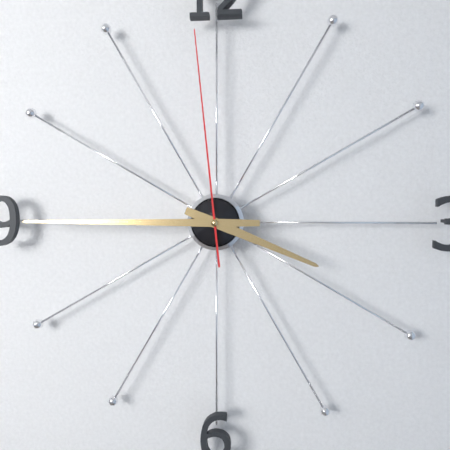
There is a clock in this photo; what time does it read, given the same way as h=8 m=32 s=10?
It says h=3 m=45 s=59
